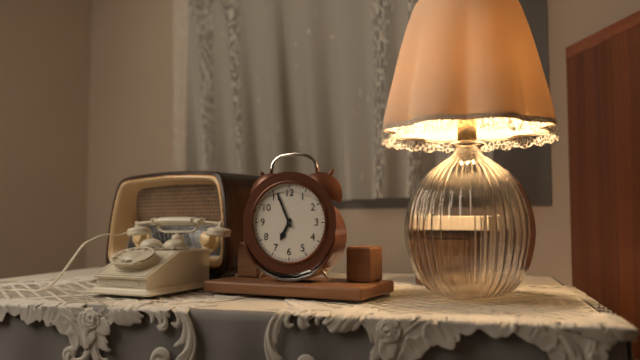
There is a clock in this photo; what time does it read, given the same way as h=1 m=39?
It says h=6 m=56
